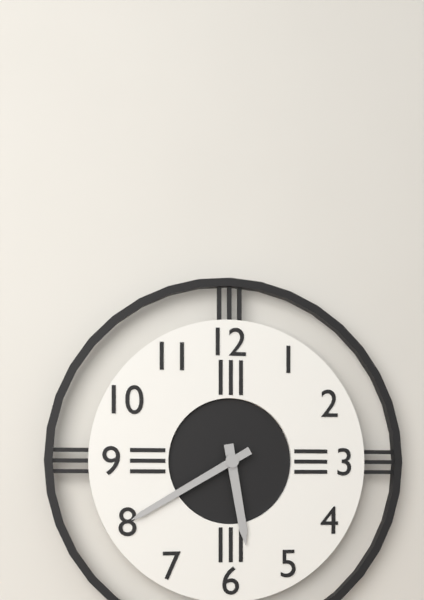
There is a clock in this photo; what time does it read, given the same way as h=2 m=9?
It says h=5 m=40
